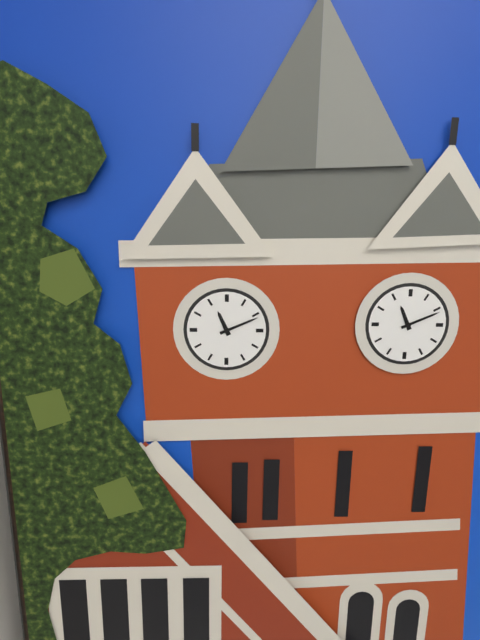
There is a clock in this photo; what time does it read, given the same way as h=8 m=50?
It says h=11 m=11
